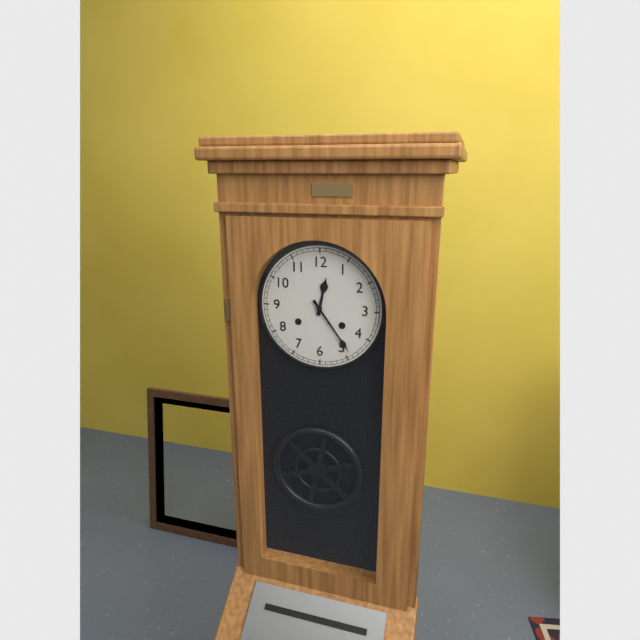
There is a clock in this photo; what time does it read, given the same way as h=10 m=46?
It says h=12 m=24
